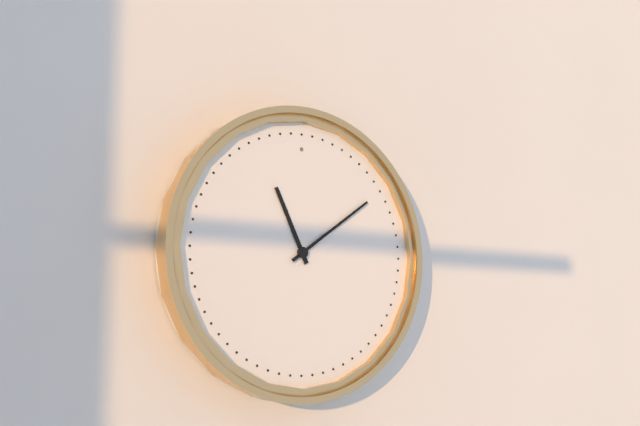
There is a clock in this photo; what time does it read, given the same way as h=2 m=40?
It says h=11 m=9
